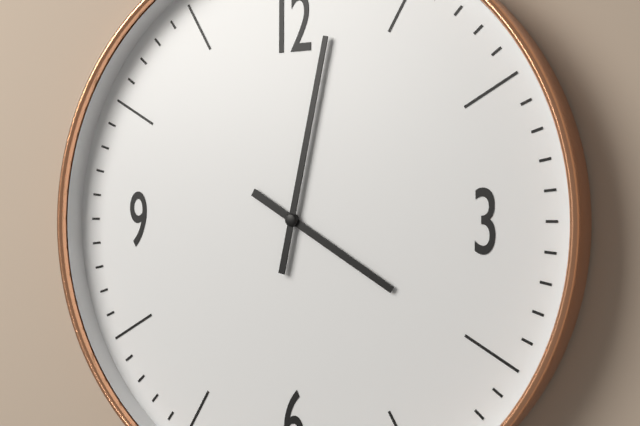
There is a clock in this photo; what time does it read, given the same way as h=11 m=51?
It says h=4 m=2
